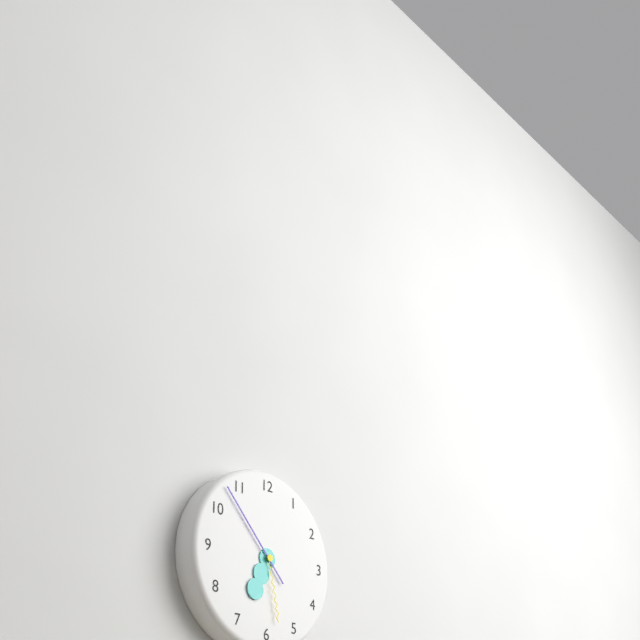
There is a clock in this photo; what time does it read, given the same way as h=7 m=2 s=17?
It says h=6 m=53 s=28
